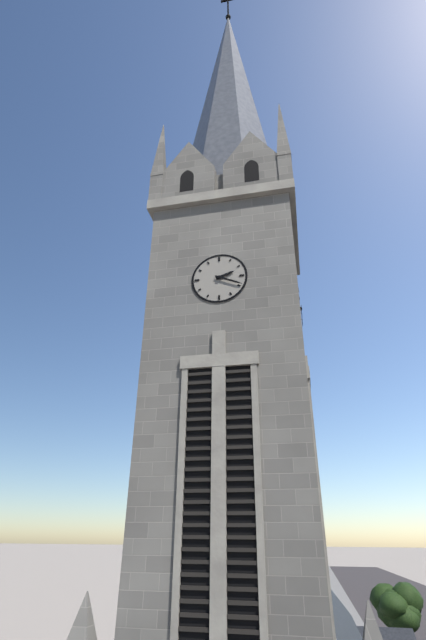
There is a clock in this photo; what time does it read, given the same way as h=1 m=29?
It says h=2 m=19
